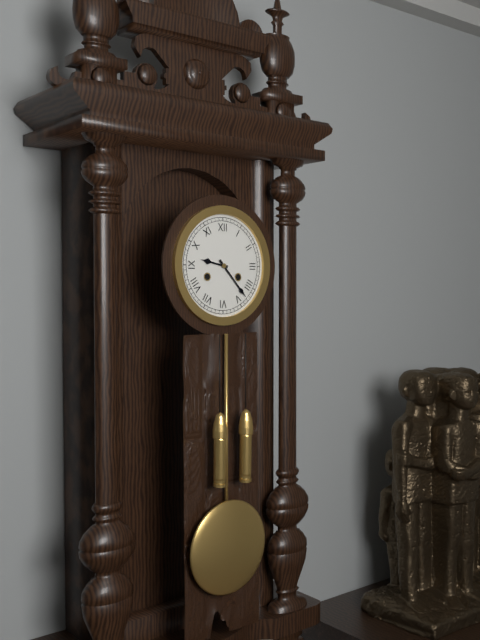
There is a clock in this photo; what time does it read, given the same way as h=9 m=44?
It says h=9 m=23
